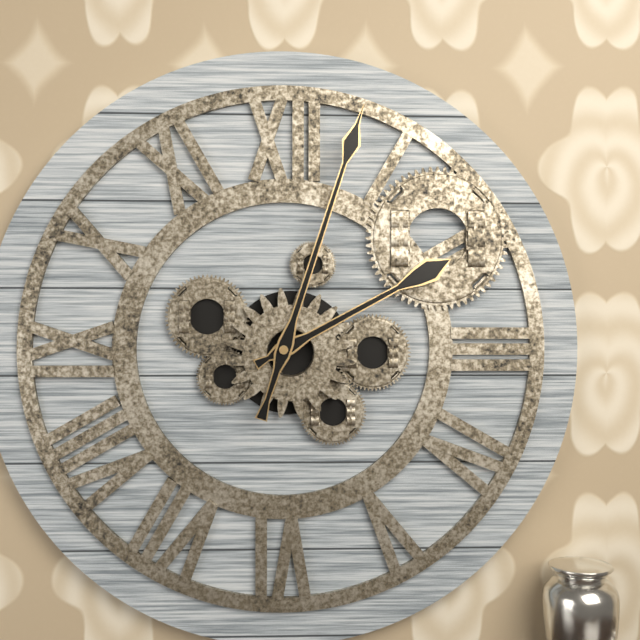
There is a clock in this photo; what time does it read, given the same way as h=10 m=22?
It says h=2 m=3
